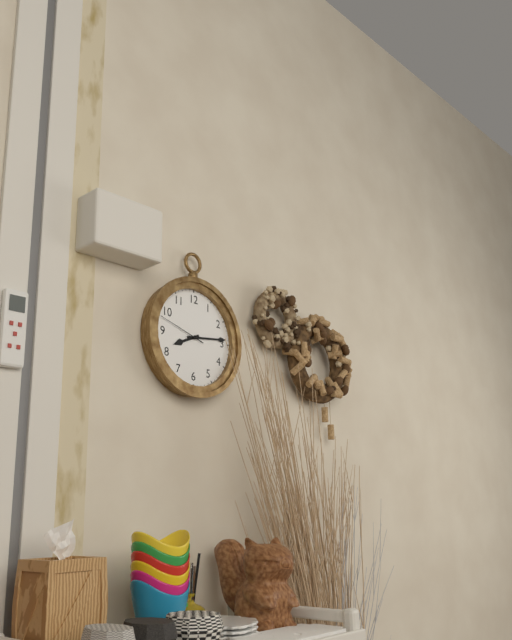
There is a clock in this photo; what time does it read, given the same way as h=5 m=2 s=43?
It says h=8 m=14 s=48
